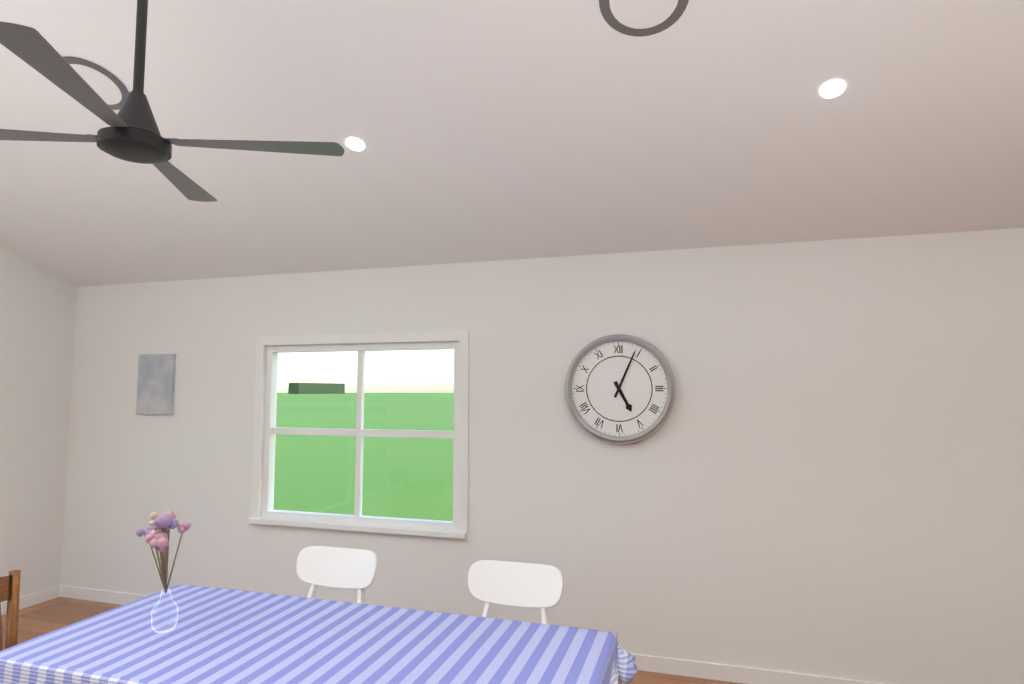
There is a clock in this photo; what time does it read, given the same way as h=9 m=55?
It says h=5 m=4
